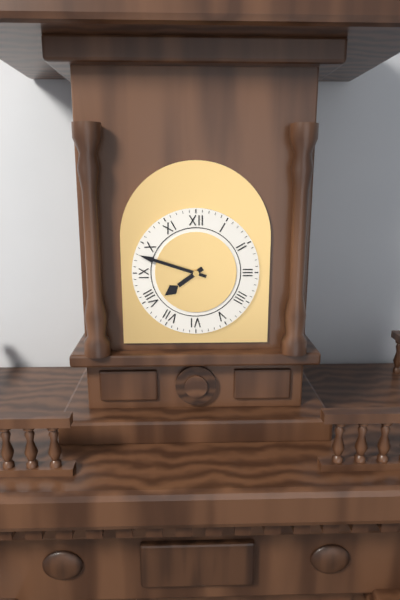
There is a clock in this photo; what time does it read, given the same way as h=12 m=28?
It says h=7 m=48
